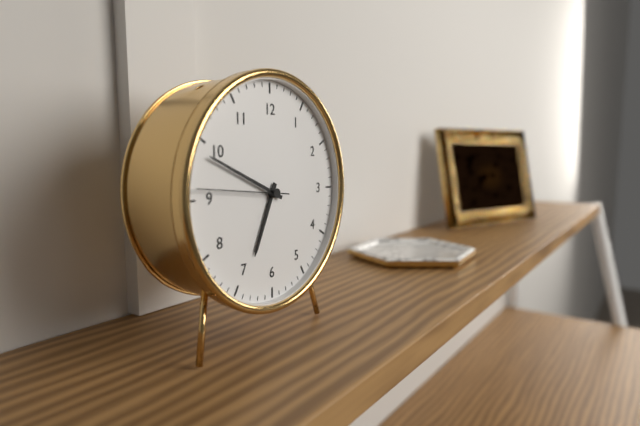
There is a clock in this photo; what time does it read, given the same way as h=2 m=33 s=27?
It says h=6 m=49 s=46
